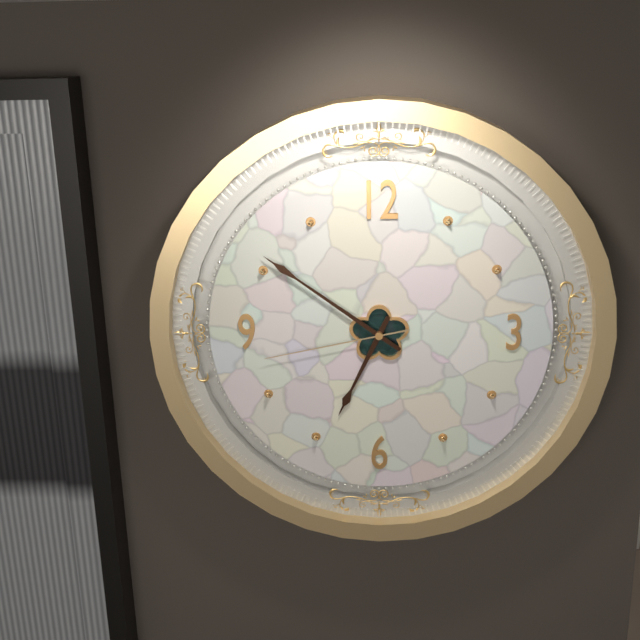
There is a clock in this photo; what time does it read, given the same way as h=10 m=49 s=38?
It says h=6 m=51 s=43
